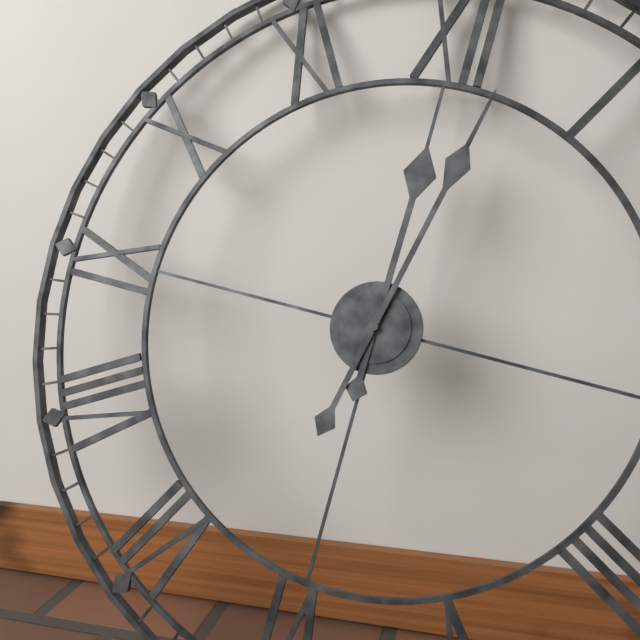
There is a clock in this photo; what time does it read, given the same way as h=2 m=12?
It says h=12 m=2
